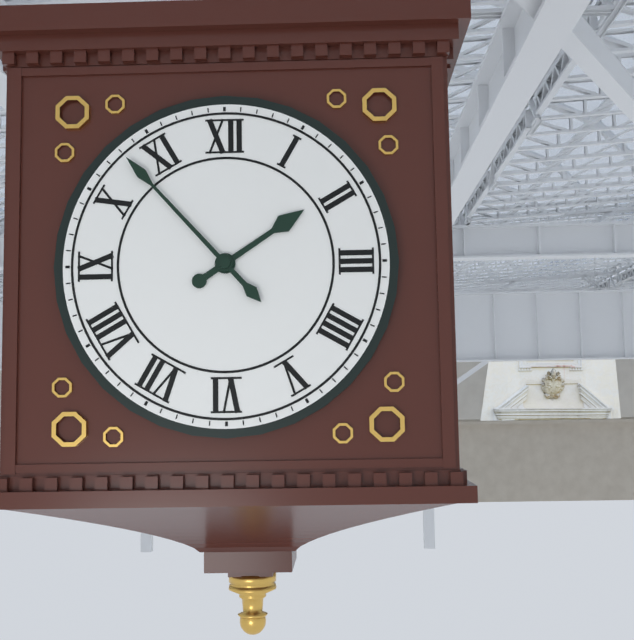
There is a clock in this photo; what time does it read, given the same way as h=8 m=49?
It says h=1 m=53
